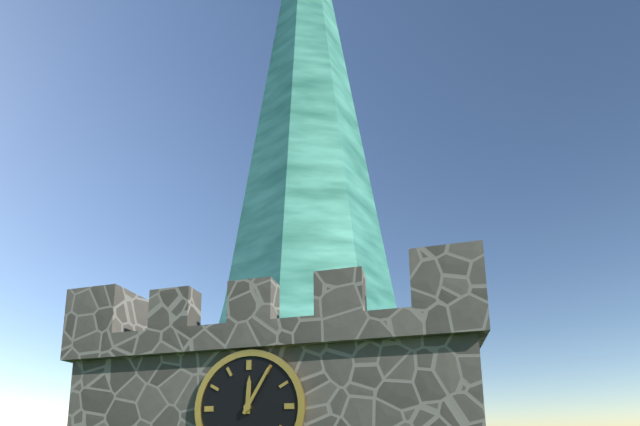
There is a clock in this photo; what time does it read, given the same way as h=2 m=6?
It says h=12 m=5
